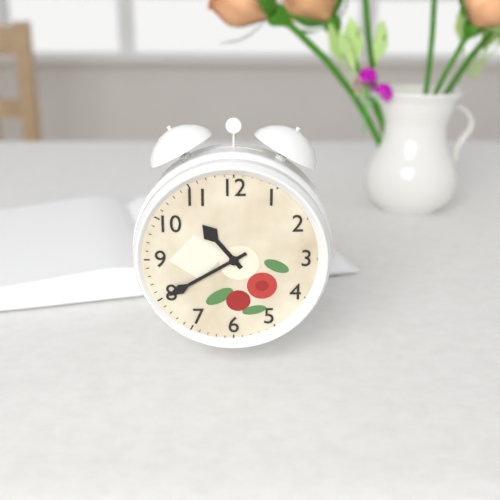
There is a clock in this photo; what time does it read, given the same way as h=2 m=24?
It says h=10 m=40
